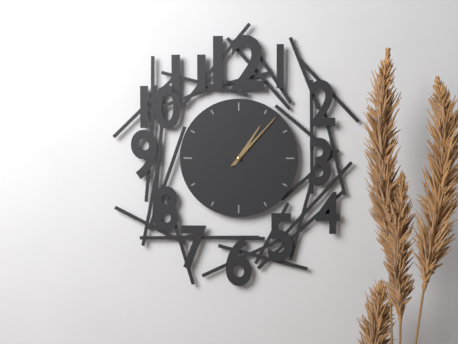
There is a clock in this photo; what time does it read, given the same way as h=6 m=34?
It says h=1 m=7
